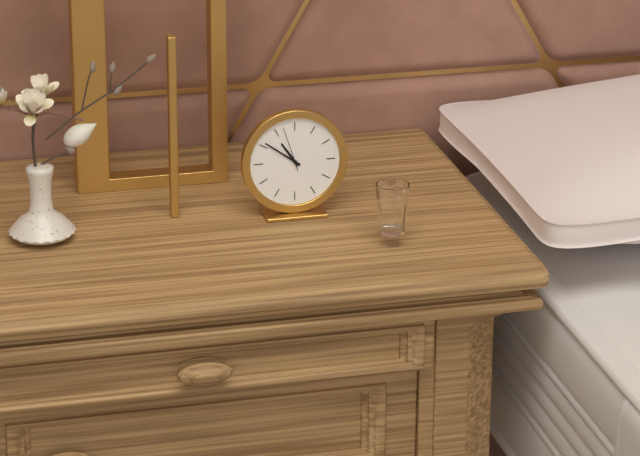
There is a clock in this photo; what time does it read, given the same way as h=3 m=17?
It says h=10 m=51
